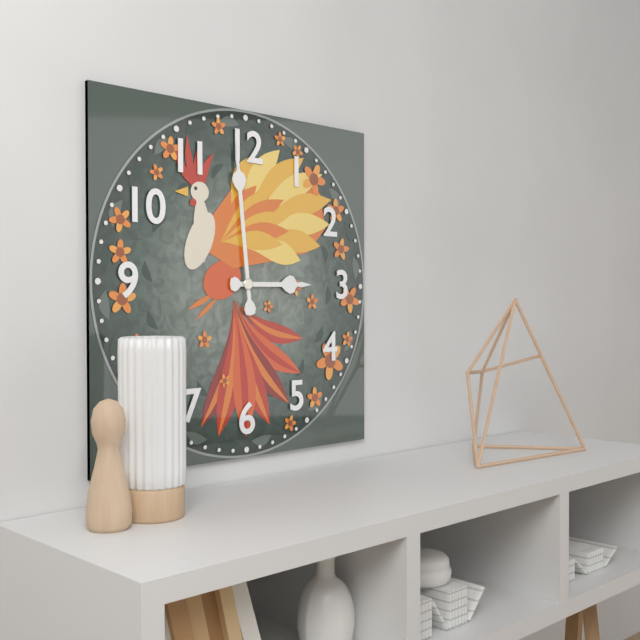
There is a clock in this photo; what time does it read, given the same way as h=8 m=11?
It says h=2 m=59
